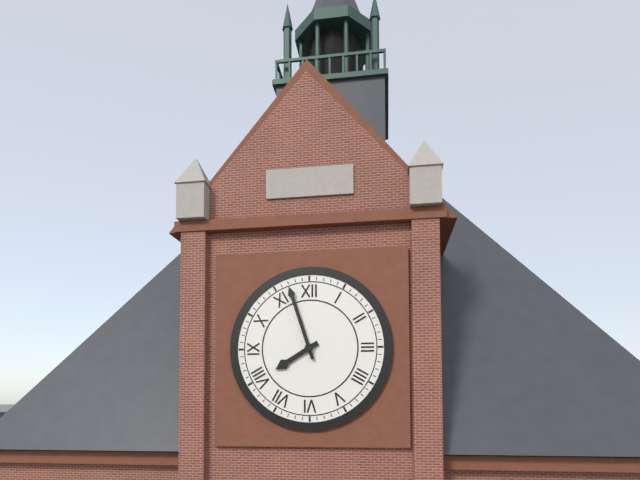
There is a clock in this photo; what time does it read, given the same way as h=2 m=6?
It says h=7 m=57
